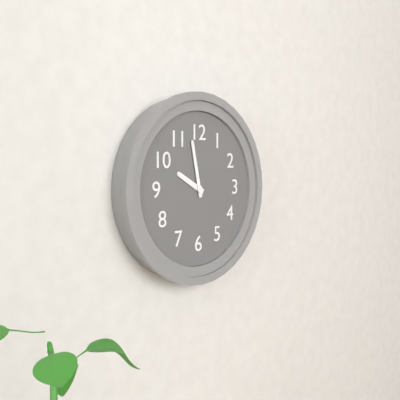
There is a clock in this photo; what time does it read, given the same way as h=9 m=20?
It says h=9 m=58
